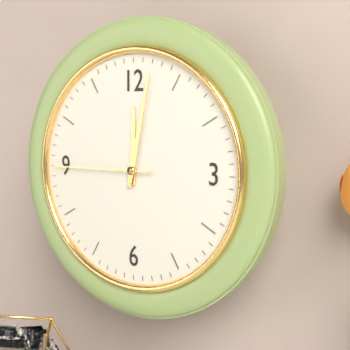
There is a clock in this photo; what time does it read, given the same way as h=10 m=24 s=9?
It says h=12 m=2 s=45
